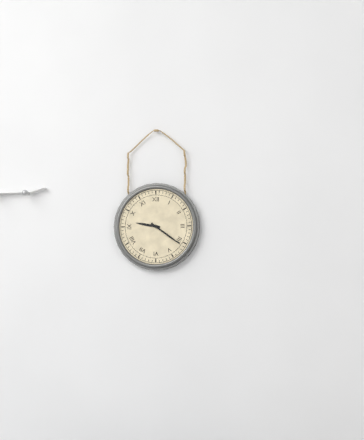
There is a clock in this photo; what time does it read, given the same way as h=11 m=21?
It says h=9 m=21
